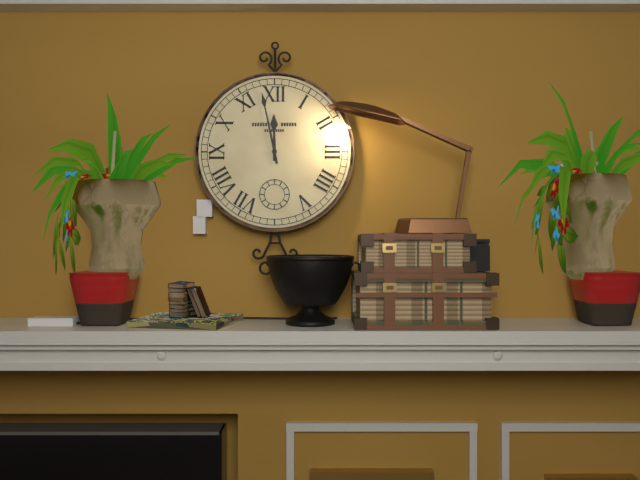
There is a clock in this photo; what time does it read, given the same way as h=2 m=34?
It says h=11 m=58
